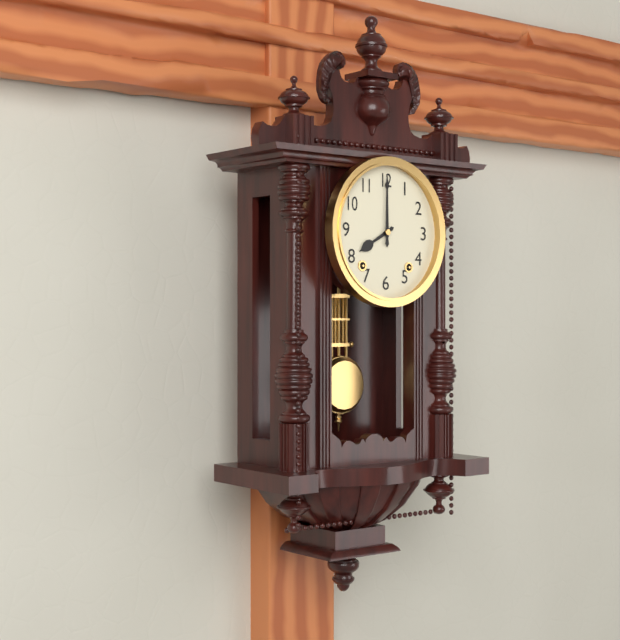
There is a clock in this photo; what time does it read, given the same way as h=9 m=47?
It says h=8 m=0
